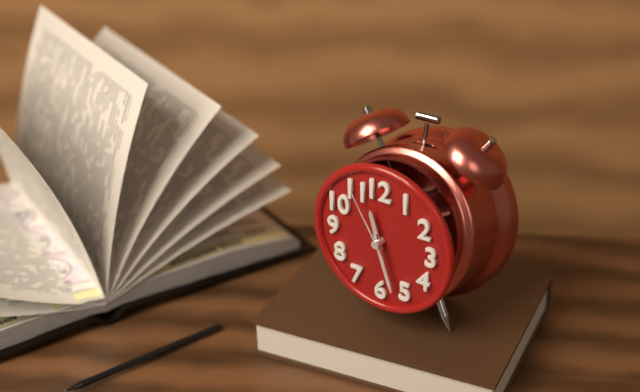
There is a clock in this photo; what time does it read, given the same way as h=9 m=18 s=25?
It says h=11 m=27 s=55
